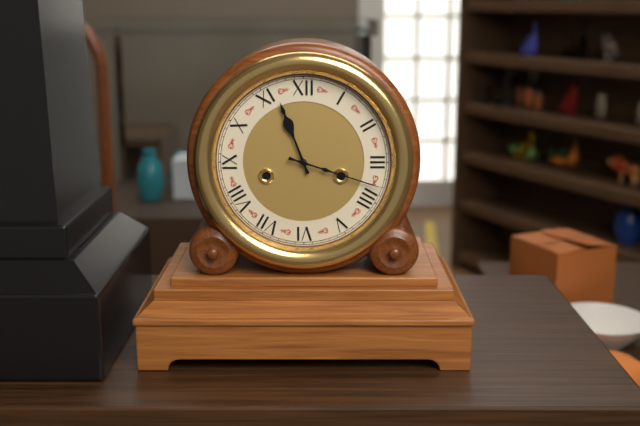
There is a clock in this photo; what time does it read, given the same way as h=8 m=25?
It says h=11 m=18
